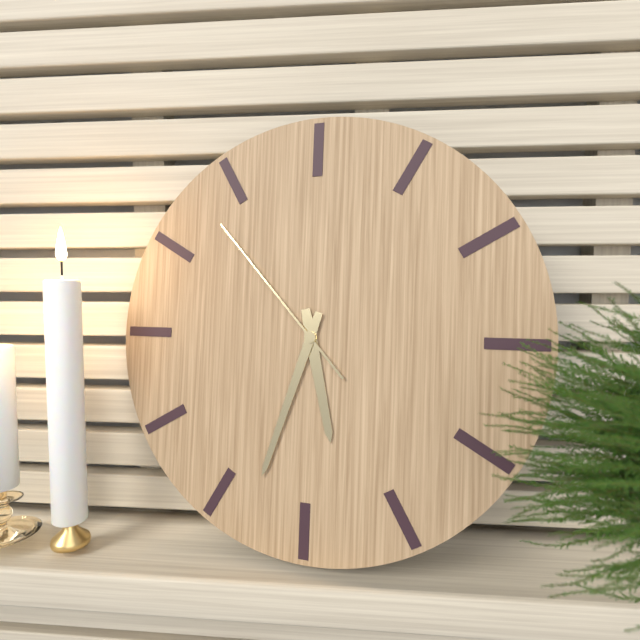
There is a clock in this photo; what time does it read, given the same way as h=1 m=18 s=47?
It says h=5 m=33 s=53
